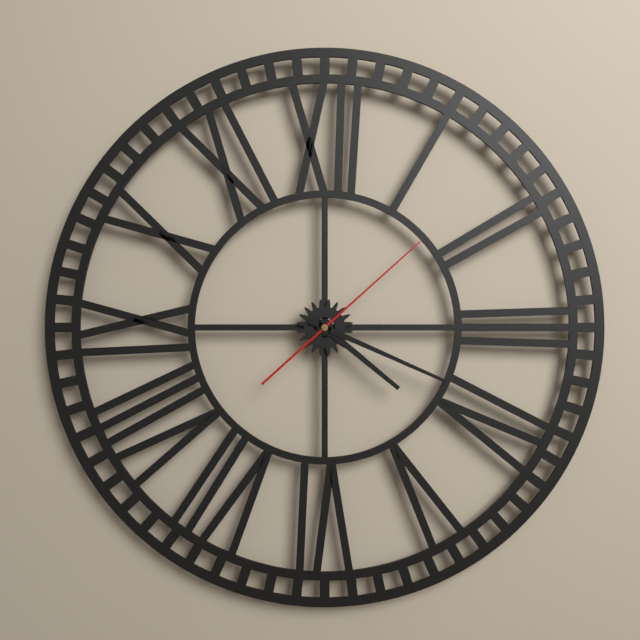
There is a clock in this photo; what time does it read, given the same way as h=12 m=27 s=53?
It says h=4 m=19 s=8
